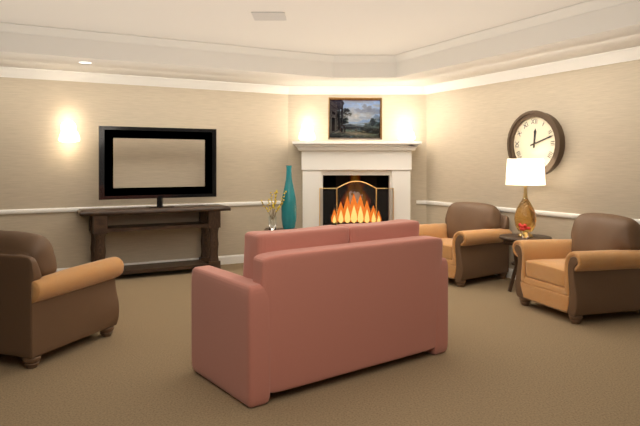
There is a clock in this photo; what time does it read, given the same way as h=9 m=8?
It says h=12 m=12
